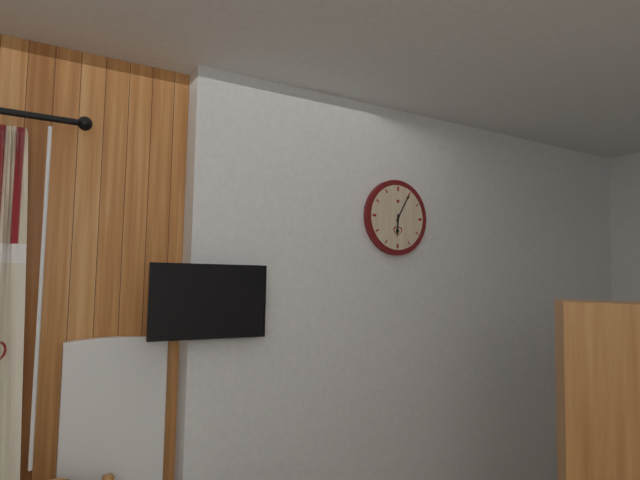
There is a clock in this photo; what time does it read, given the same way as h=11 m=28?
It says h=6 m=5
